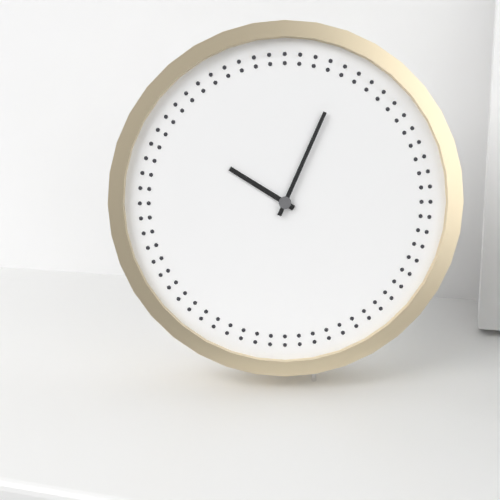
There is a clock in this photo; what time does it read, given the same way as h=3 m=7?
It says h=10 m=4
